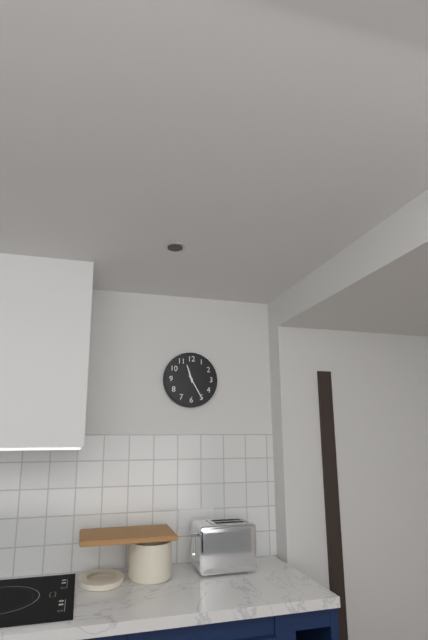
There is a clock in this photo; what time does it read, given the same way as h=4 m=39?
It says h=11 m=25
